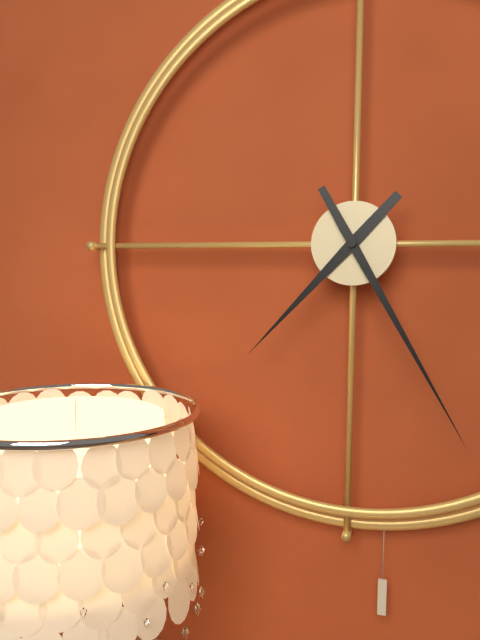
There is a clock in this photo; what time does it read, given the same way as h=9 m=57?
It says h=7 m=25
